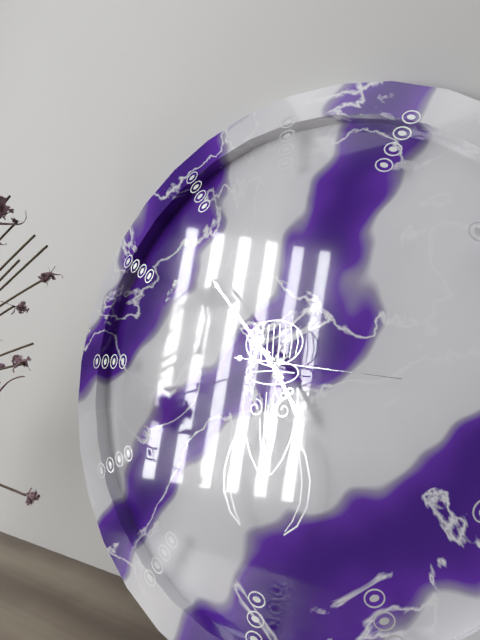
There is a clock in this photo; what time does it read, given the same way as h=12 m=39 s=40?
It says h=4 m=53 s=16
